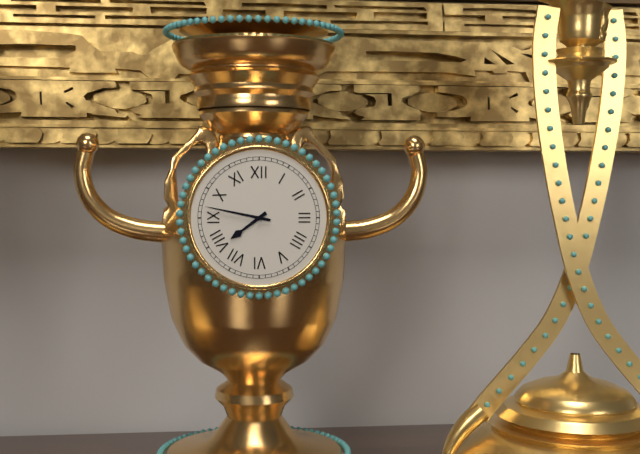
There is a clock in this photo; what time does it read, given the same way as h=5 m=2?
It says h=7 m=47
